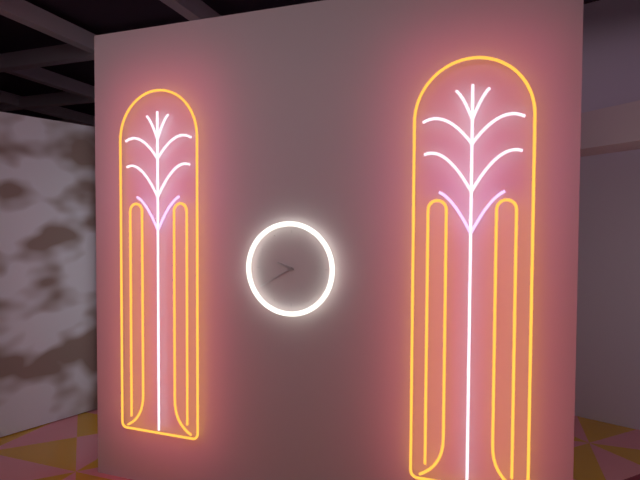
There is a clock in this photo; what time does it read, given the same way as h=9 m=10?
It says h=9 m=40
